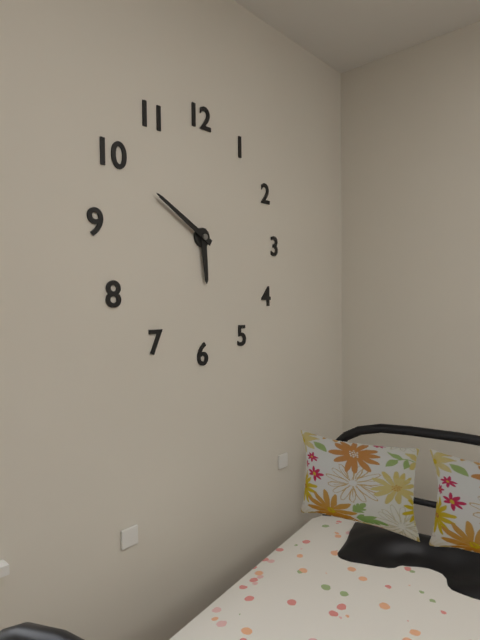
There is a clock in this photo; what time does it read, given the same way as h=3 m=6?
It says h=5 m=50
